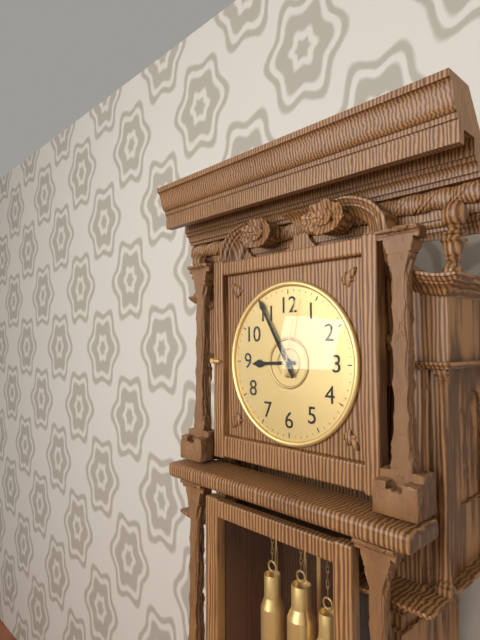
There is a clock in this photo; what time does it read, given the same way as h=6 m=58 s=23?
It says h=8 m=55 s=2
